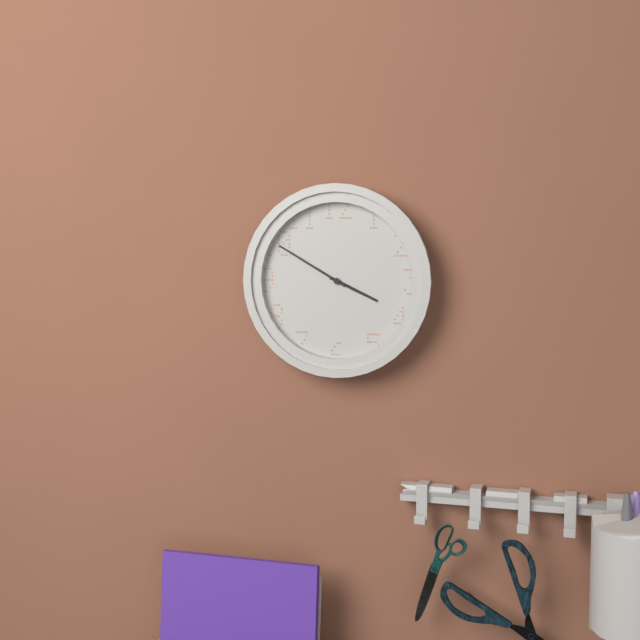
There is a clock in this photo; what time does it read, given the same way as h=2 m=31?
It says h=3 m=50
